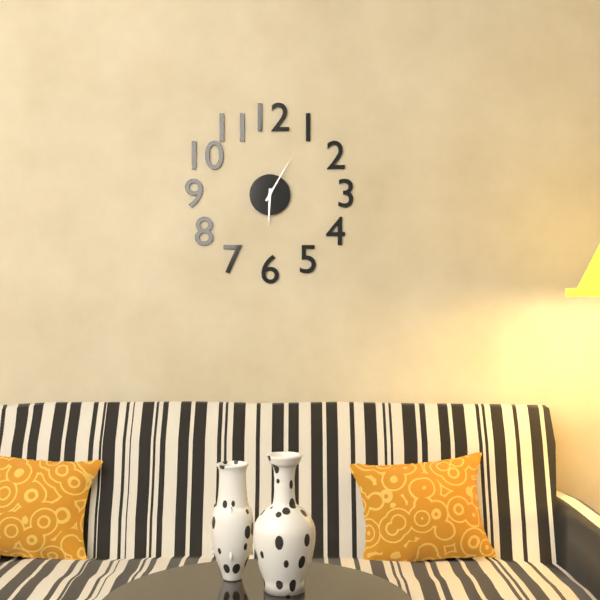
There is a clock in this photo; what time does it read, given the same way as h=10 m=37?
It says h=6 m=5
